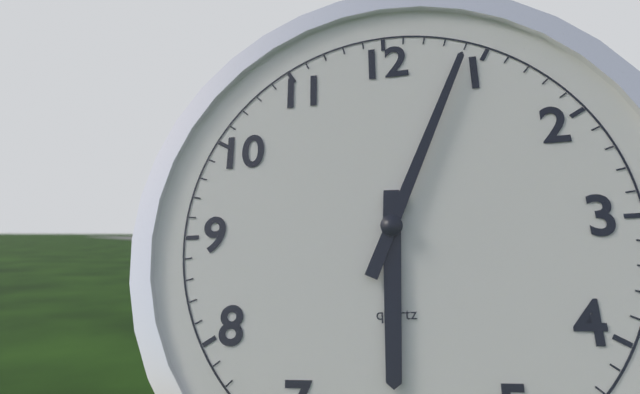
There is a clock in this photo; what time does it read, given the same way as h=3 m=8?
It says h=6 m=4
